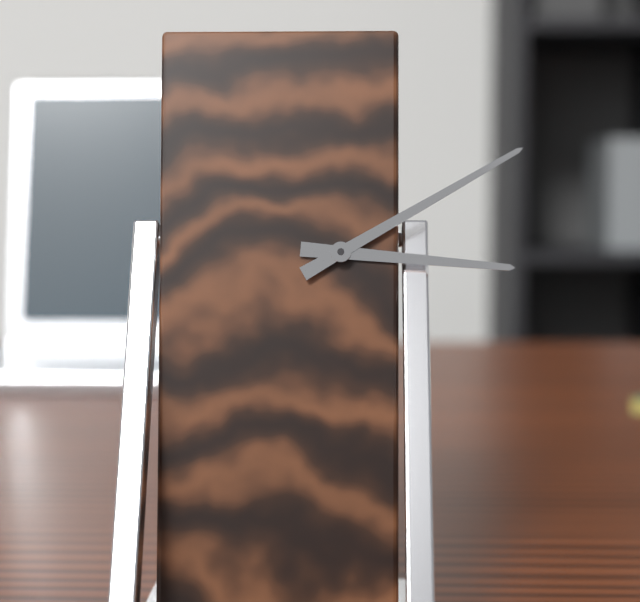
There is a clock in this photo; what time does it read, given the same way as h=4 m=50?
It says h=3 m=10
